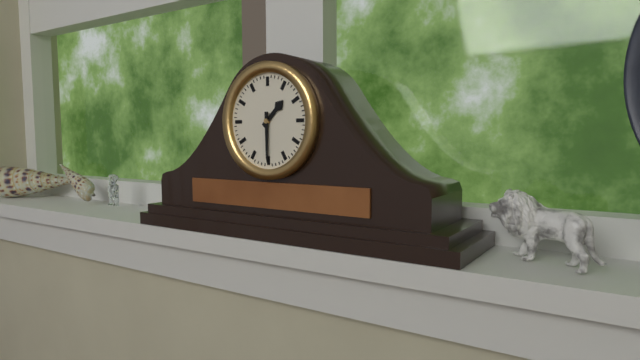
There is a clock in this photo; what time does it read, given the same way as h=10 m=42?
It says h=1 m=30
